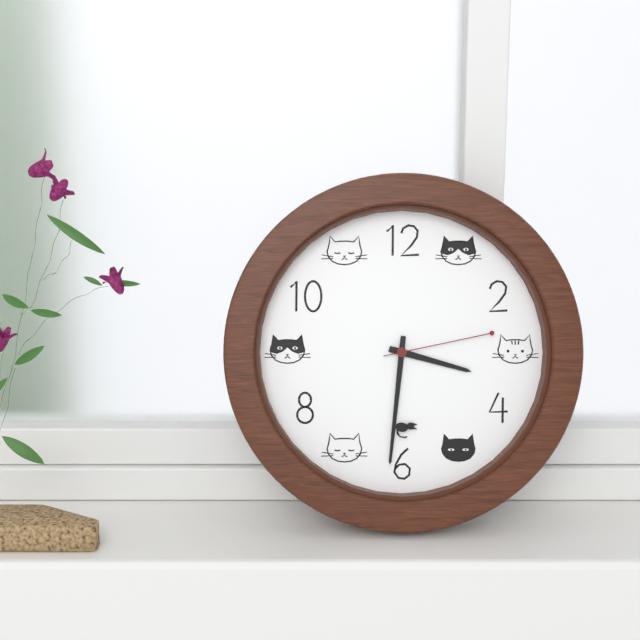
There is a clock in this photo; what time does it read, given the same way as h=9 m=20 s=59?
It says h=3 m=31 s=13
